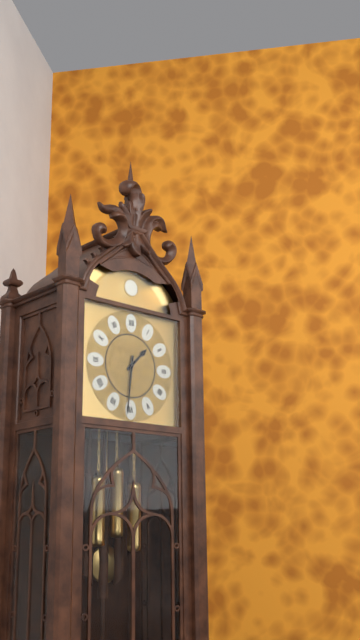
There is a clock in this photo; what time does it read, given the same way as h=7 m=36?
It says h=1 m=31
